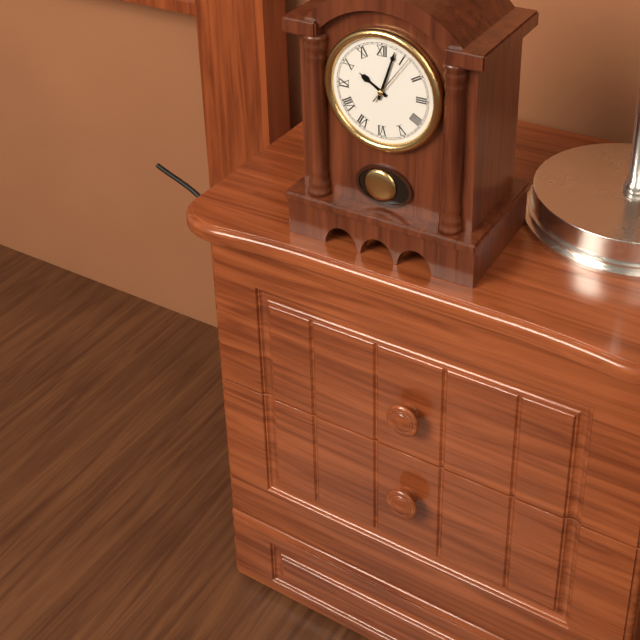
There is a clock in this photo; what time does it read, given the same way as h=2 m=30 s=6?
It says h=10 m=3 s=6
